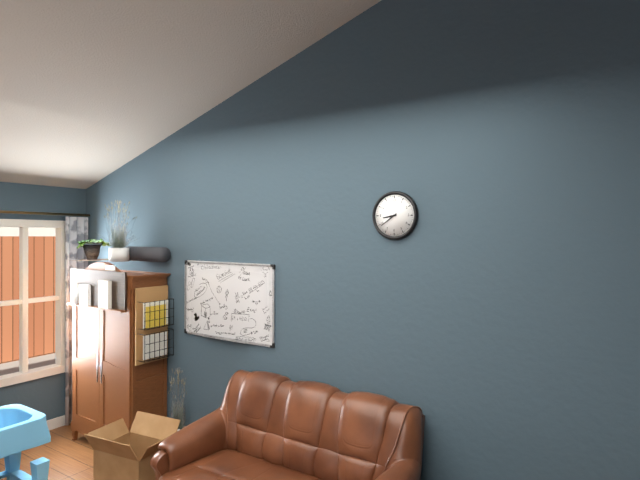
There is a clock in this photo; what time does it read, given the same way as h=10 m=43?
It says h=8 m=39
